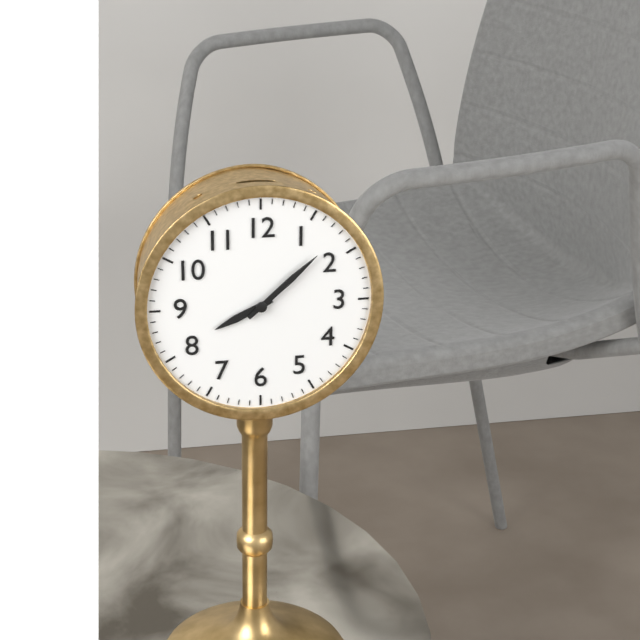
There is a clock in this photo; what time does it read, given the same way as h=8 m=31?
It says h=8 m=8
